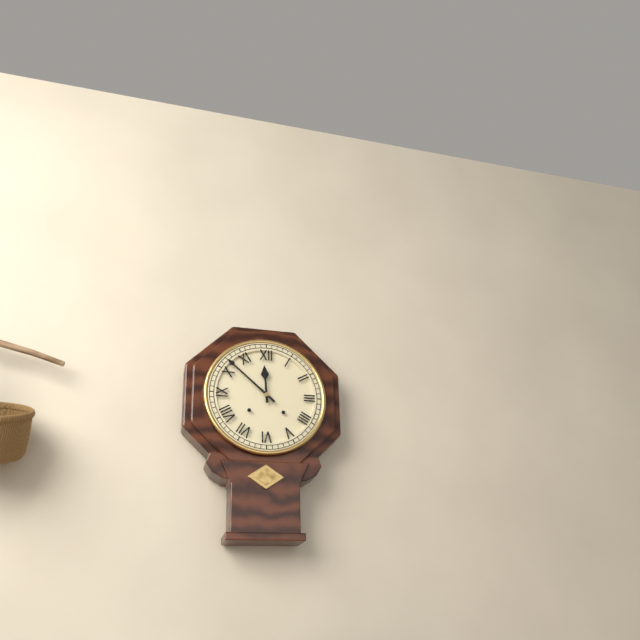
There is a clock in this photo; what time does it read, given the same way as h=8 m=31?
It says h=11 m=52
